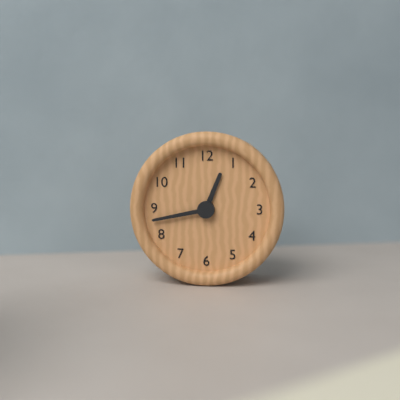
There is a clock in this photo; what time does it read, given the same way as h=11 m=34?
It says h=12 m=43
